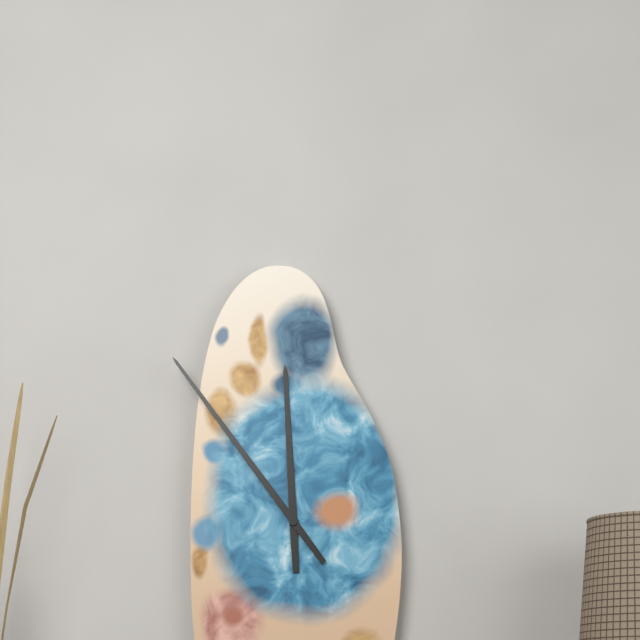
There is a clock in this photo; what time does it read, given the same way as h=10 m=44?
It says h=11 m=54
